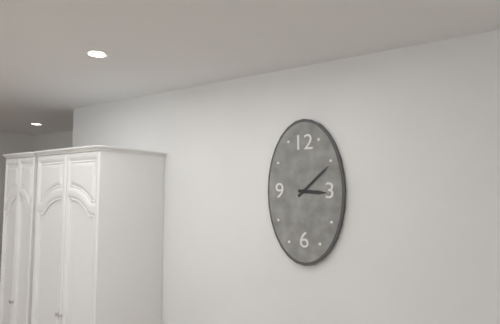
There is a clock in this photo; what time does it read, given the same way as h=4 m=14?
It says h=3 m=8
